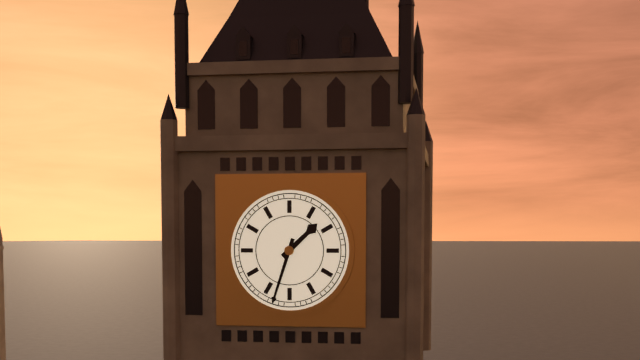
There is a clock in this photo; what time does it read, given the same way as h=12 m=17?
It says h=1 m=33
